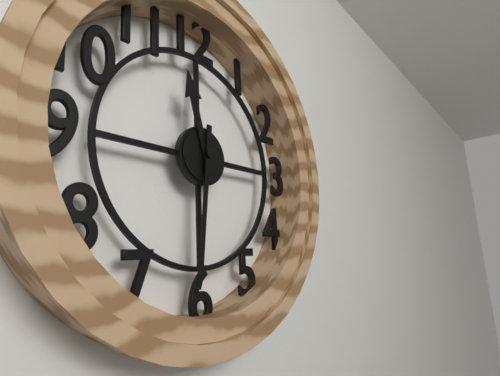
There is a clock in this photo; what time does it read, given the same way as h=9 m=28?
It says h=11 m=31
